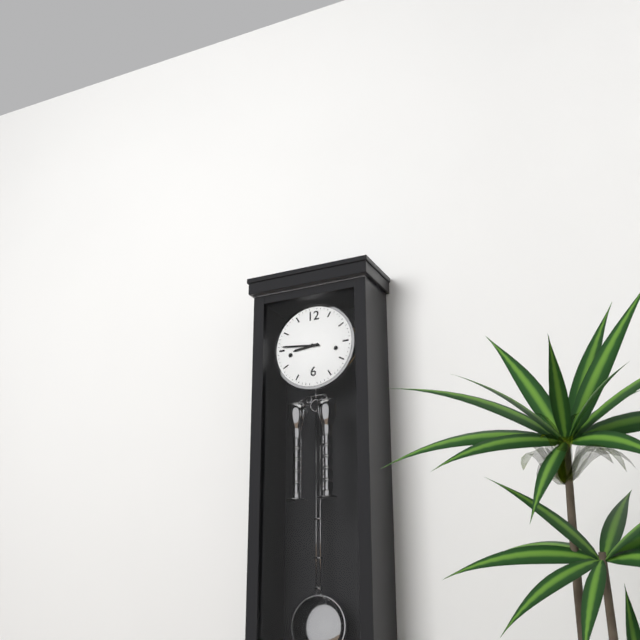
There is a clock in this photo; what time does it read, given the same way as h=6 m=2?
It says h=8 m=46
